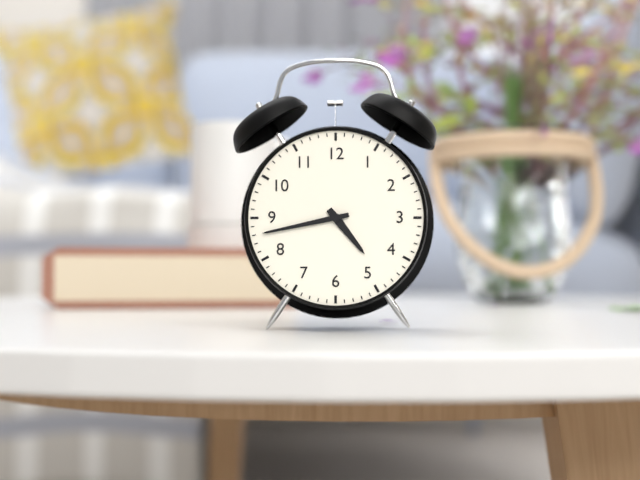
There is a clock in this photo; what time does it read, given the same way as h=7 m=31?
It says h=4 m=43
